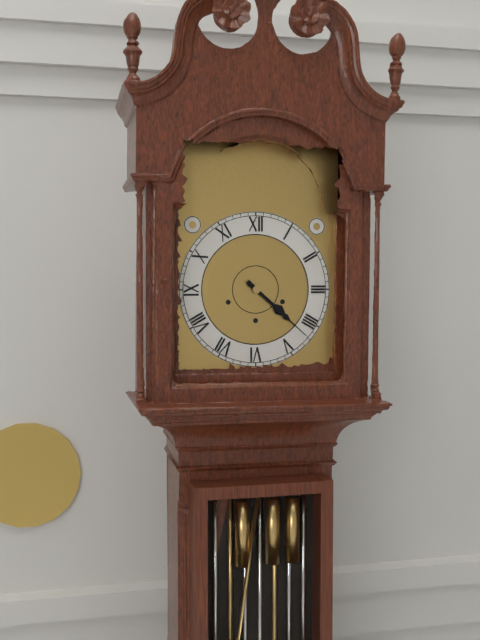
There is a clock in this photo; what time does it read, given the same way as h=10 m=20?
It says h=4 m=22
